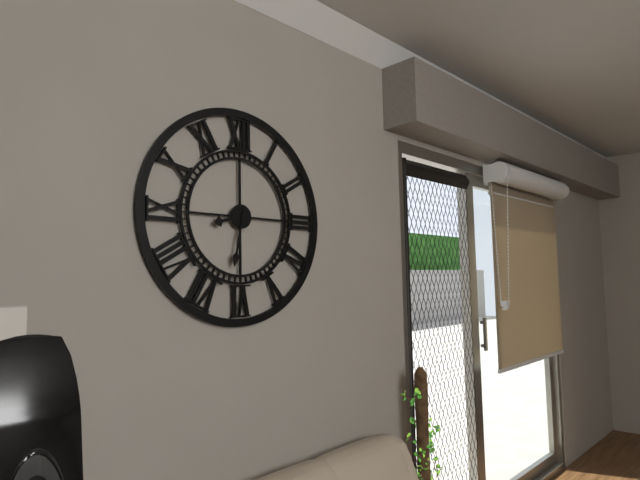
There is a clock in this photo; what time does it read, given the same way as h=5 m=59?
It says h=8 m=32
